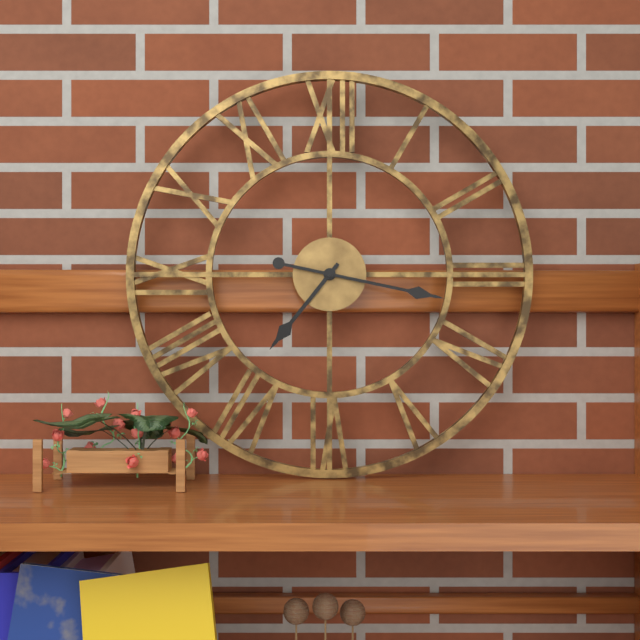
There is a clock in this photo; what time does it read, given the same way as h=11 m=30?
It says h=7 m=17
